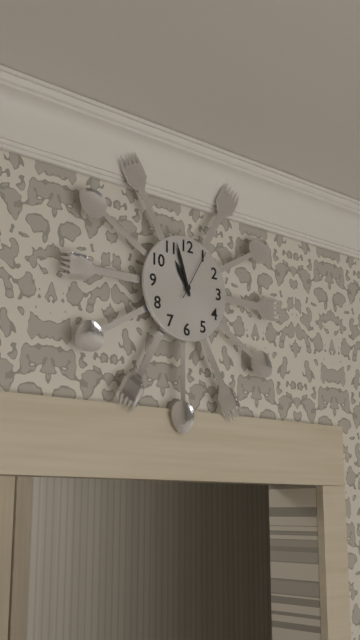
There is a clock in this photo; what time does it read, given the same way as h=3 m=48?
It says h=10 m=57
